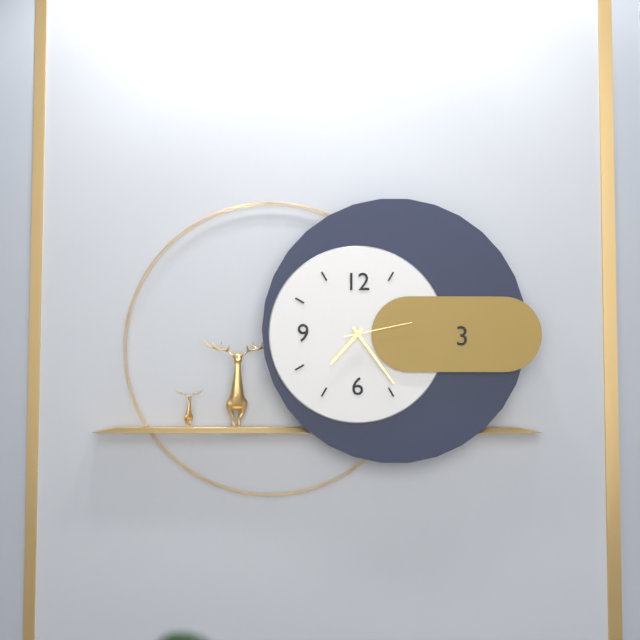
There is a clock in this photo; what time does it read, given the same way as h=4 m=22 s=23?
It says h=7 m=24 s=13
